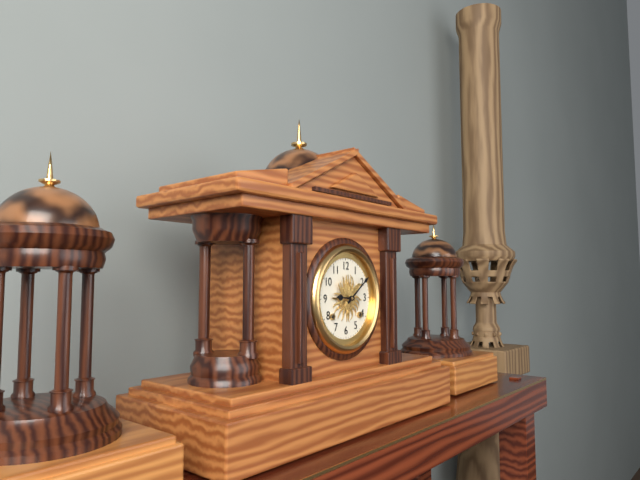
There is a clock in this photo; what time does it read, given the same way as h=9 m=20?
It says h=9 m=9
